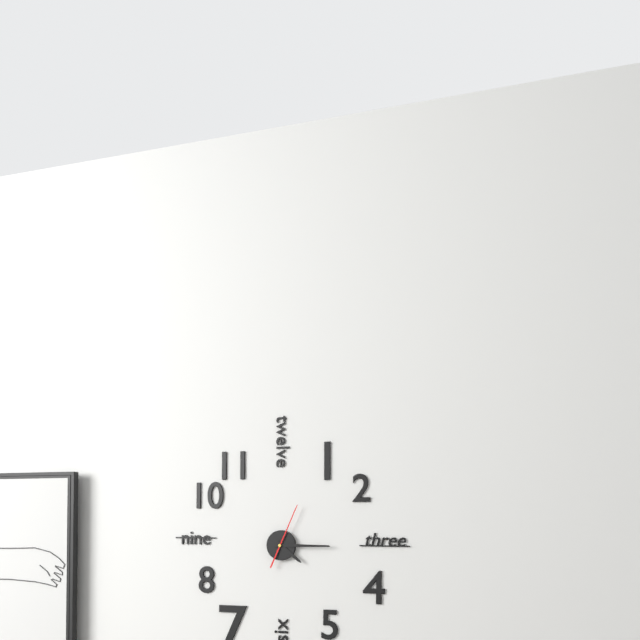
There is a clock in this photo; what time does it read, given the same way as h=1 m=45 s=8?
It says h=4 m=15 s=4
